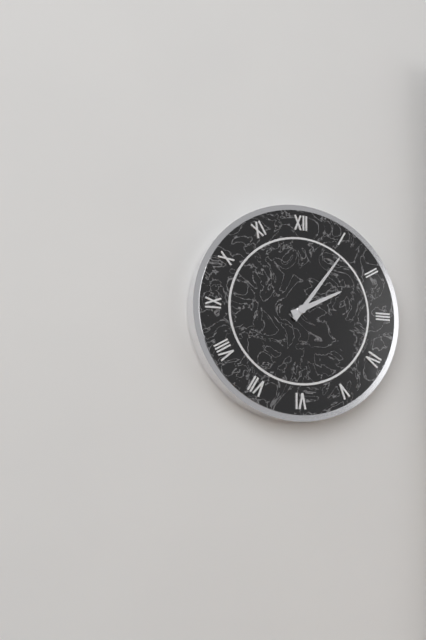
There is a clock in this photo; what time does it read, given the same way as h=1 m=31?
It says h=2 m=6
